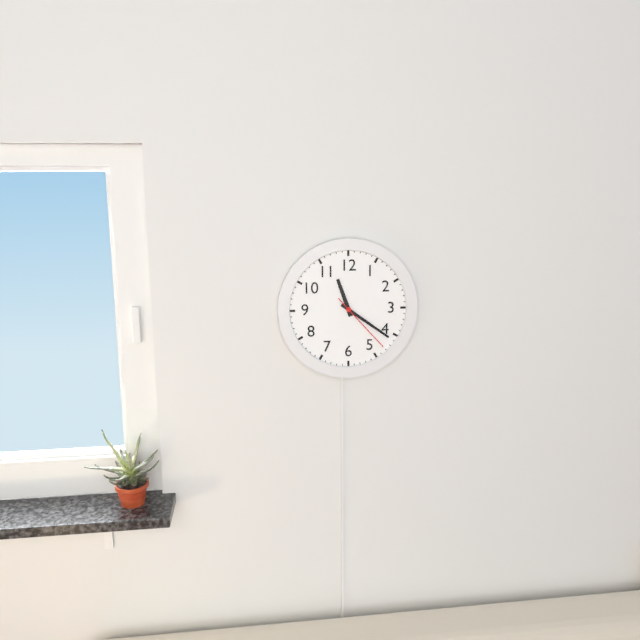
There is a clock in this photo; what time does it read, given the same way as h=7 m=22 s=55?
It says h=11 m=21 s=23
